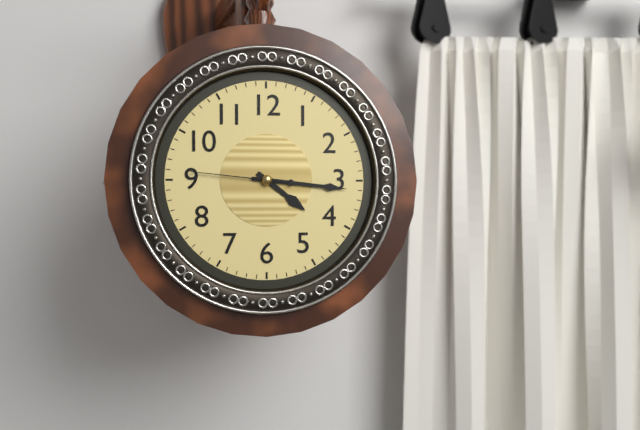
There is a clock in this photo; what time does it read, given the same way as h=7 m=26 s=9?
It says h=4 m=16 s=46
